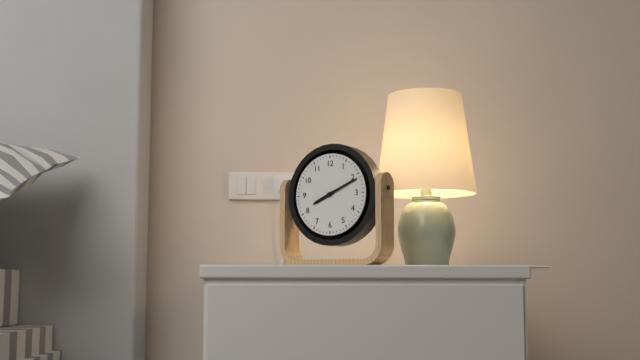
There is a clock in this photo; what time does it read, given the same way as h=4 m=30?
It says h=8 m=11
